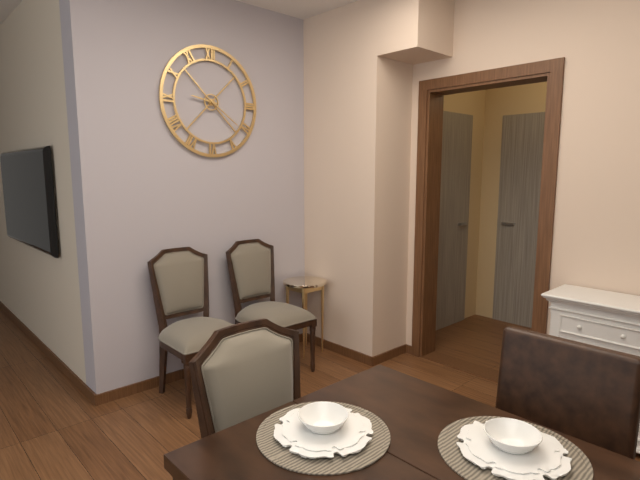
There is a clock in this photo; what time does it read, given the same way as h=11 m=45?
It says h=9 m=21
